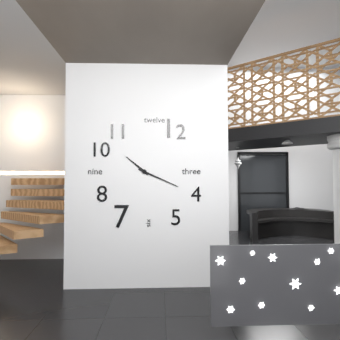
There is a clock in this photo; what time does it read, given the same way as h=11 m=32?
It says h=10 m=19
